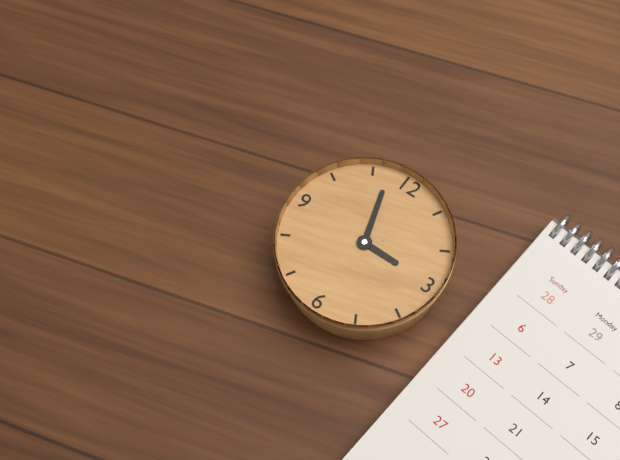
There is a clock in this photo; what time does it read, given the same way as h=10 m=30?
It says h=2 m=57
